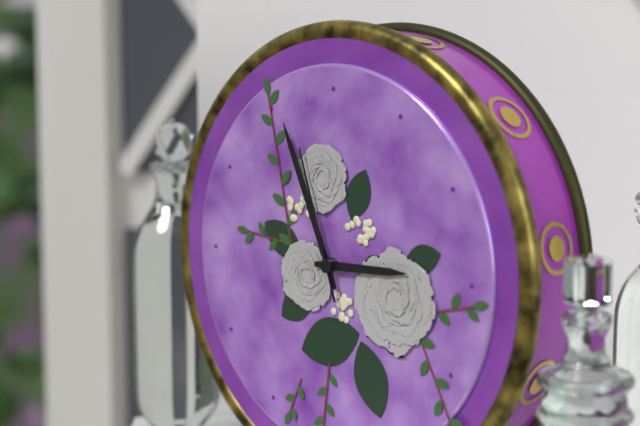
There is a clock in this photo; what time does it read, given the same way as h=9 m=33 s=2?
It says h=2 m=56 s=57
